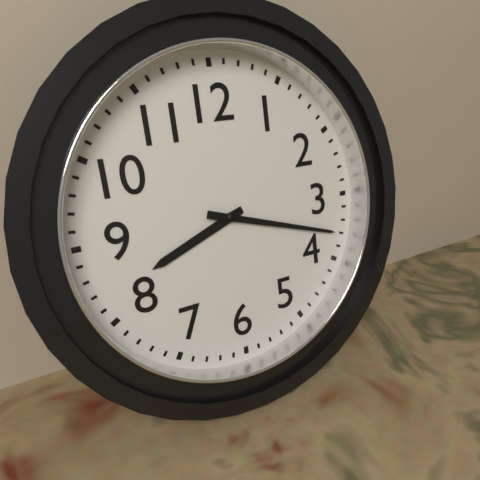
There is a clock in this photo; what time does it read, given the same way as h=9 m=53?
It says h=8 m=18
